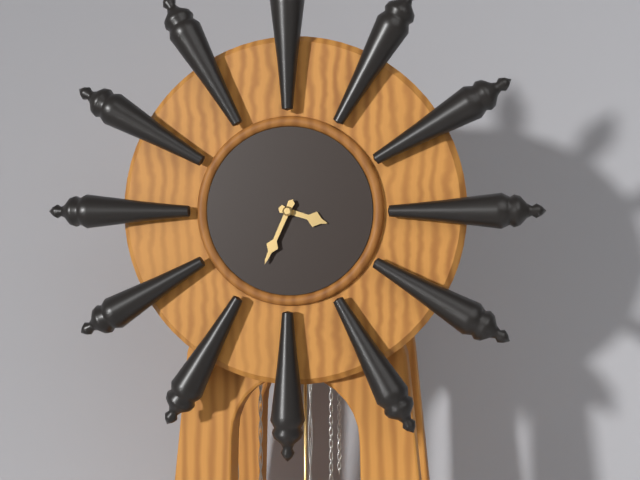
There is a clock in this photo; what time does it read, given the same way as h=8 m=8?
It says h=3 m=34
